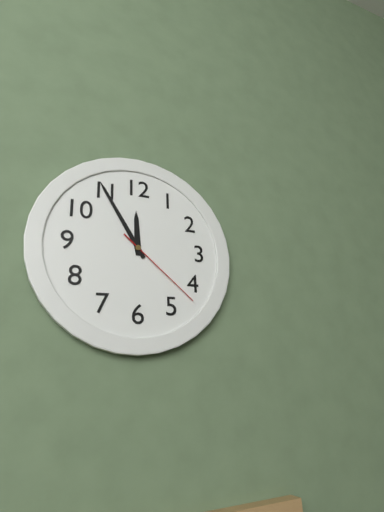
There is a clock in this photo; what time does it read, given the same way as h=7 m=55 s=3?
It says h=11 m=55 s=22
